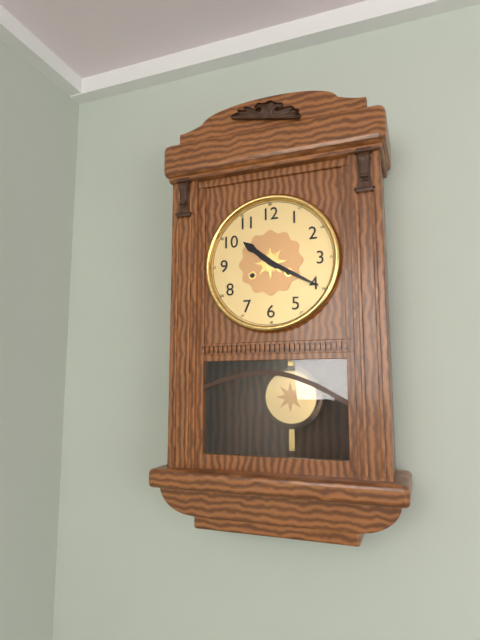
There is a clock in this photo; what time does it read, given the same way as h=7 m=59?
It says h=10 m=20
